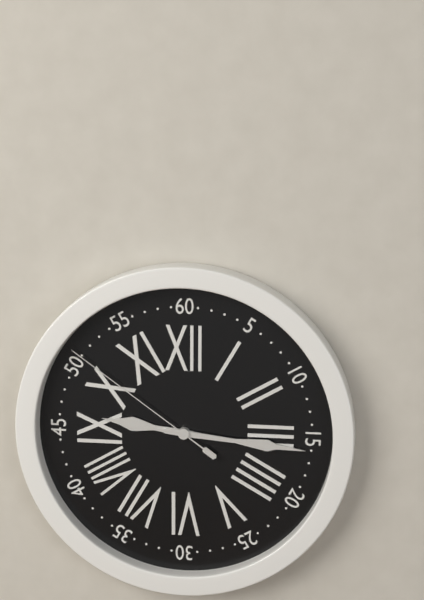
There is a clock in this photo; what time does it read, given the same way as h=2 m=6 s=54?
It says h=9 m=16 s=51
